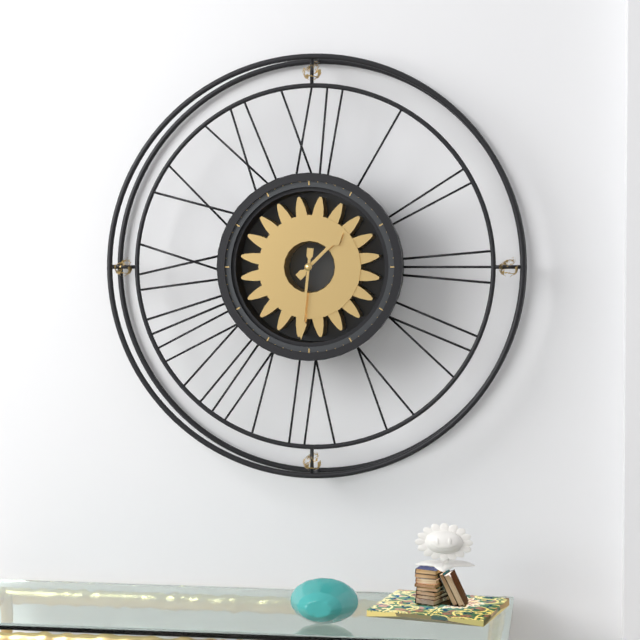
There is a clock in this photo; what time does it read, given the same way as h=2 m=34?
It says h=1 m=31
